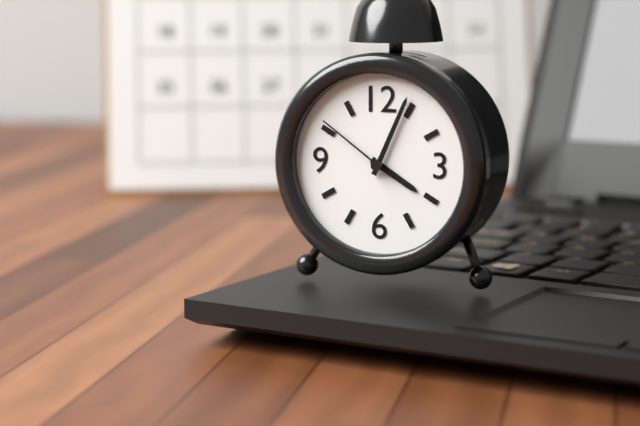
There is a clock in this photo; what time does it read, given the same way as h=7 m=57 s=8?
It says h=4 m=4 s=51
